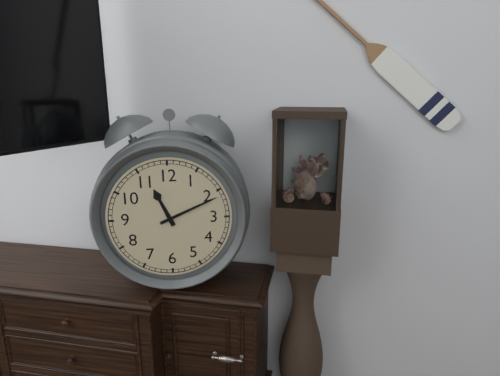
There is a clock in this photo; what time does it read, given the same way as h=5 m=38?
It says h=11 m=11
